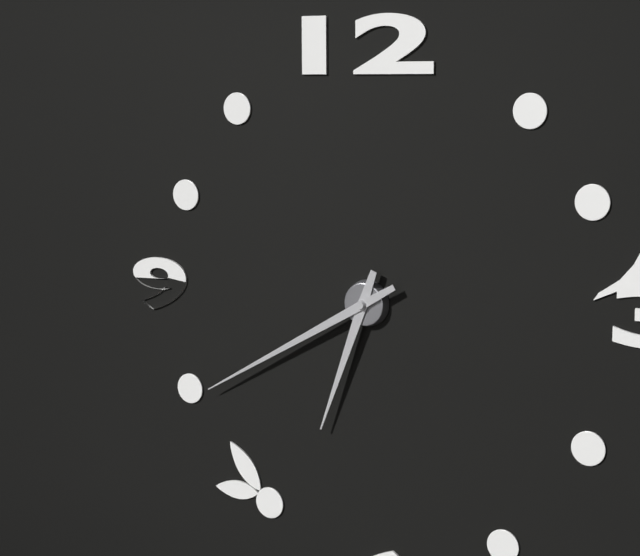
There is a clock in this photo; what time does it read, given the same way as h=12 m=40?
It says h=6 m=40
